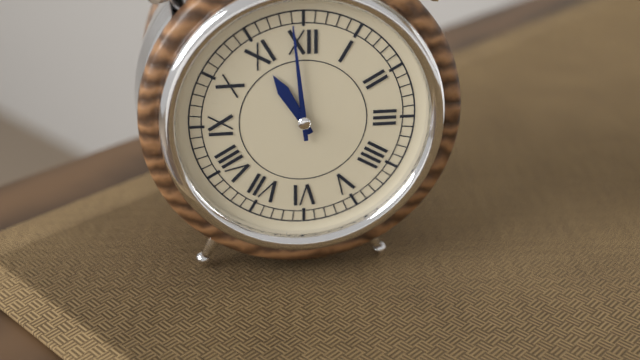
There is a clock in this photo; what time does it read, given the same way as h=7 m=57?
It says h=10 m=59
